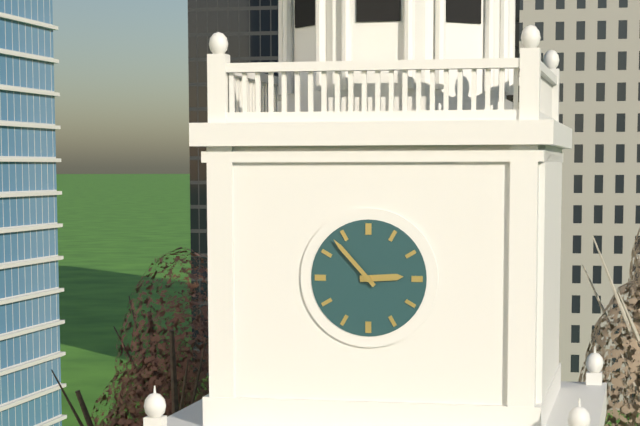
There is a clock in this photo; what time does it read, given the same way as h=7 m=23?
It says h=2 m=53
